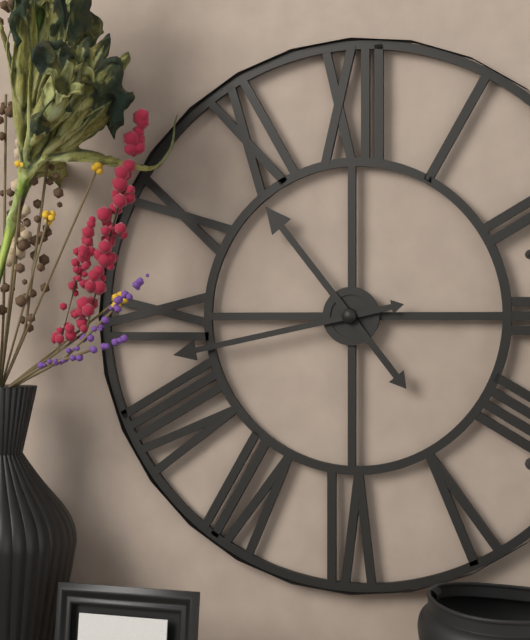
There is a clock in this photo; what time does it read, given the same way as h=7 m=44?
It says h=10 m=43
